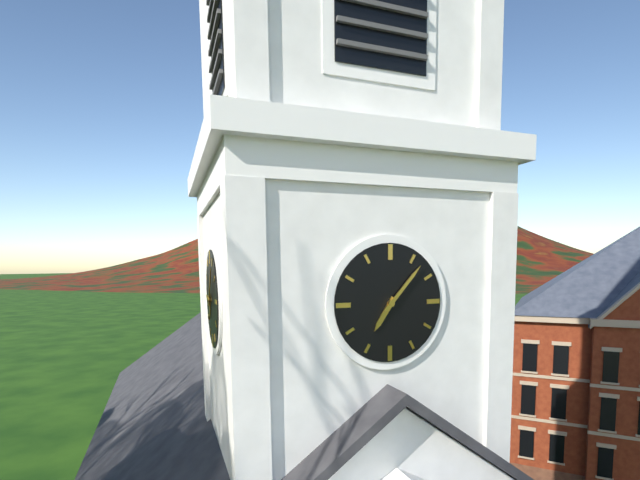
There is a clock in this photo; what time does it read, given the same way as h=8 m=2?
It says h=7 m=7
